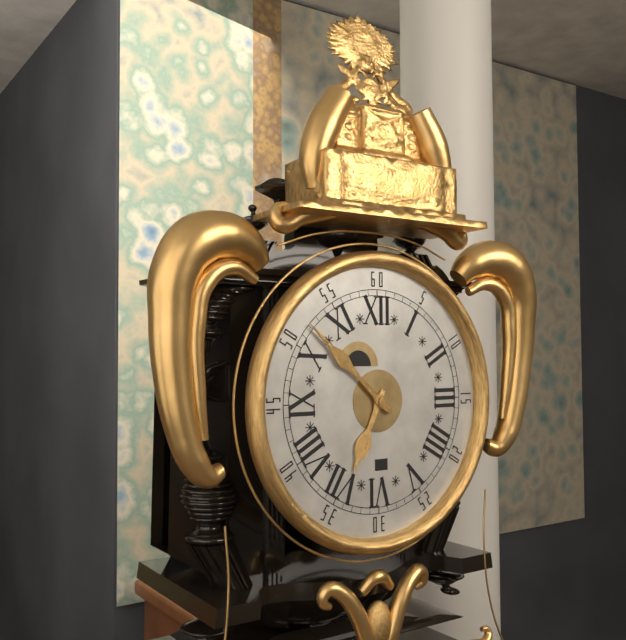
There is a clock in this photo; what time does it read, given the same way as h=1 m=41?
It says h=6 m=52
